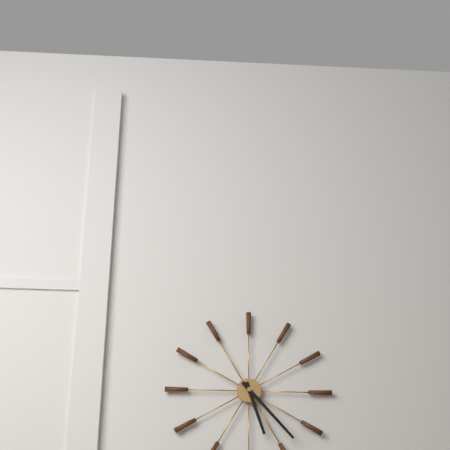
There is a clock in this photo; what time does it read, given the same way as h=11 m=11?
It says h=5 m=23
